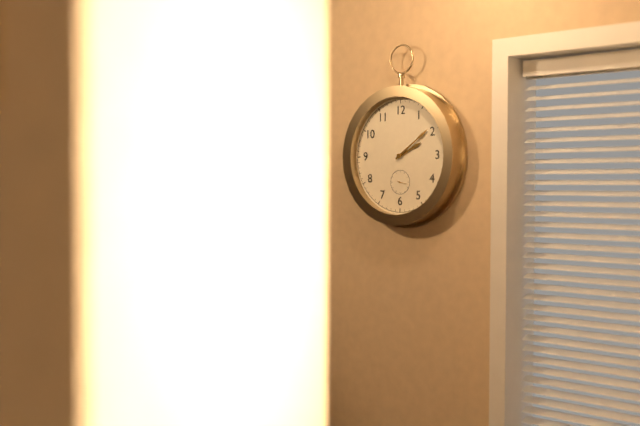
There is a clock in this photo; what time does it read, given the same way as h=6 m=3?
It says h=2 m=9
